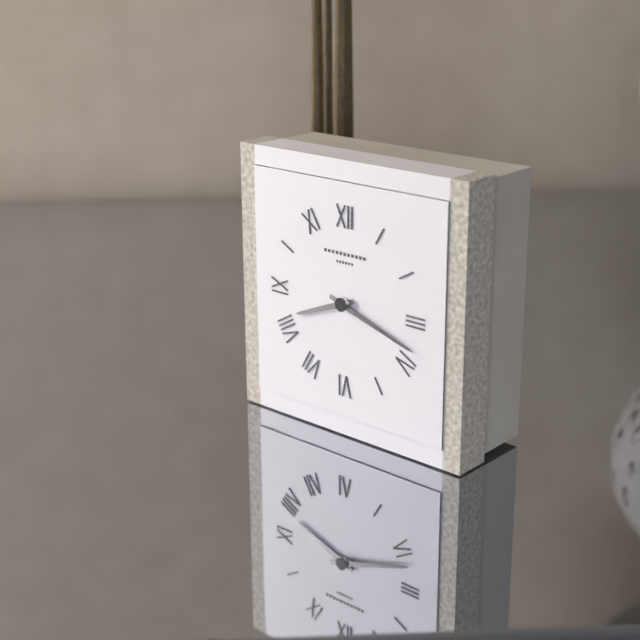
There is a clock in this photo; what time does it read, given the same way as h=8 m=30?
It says h=8 m=18
